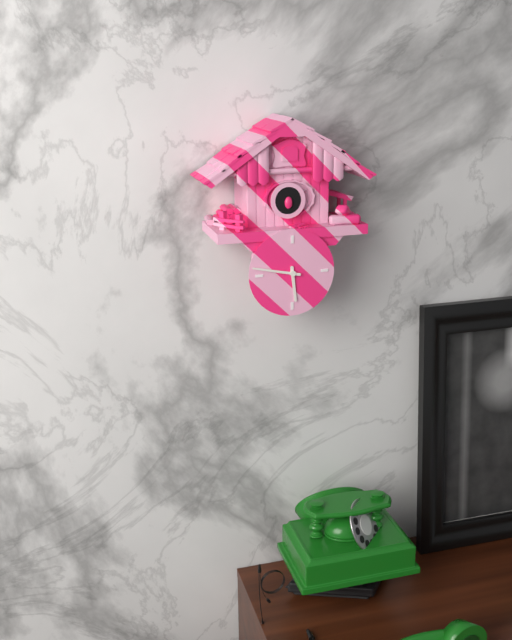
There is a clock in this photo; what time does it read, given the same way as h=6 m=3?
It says h=5 m=47
